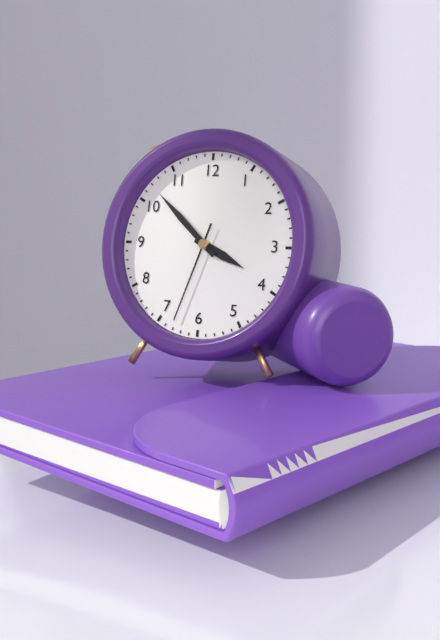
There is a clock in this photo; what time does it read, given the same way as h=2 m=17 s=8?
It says h=3 m=52 s=33
